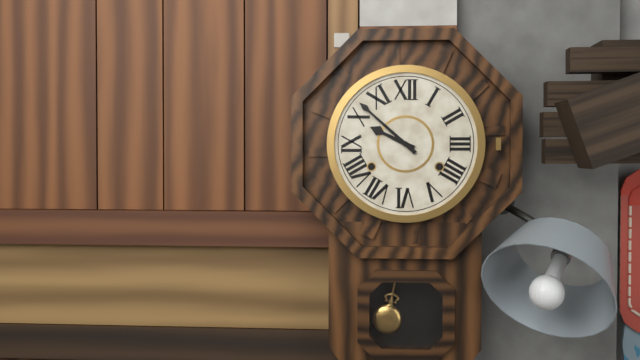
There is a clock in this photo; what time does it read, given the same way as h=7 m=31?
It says h=9 m=52
